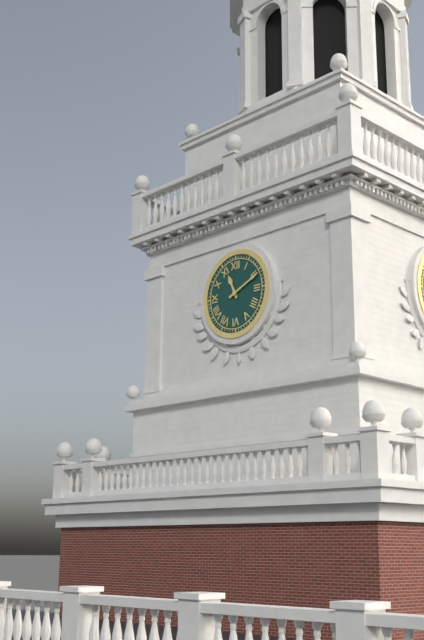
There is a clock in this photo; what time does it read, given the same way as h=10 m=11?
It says h=11 m=11
